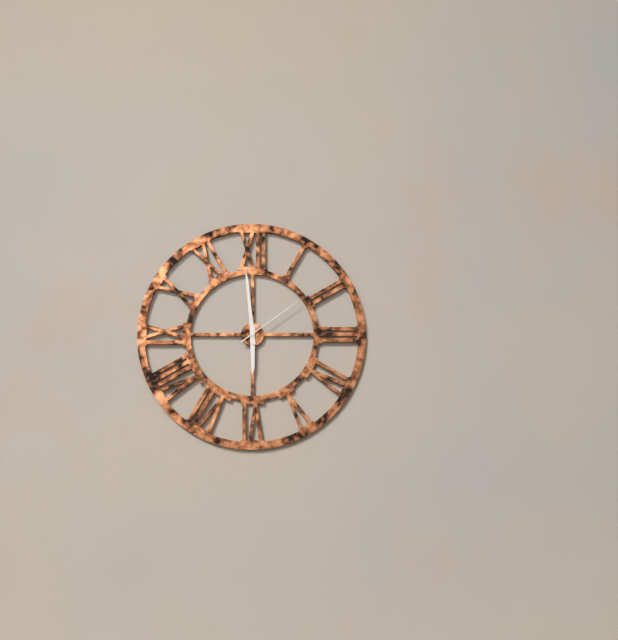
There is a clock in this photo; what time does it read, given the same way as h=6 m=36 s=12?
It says h=5 m=59 s=9
